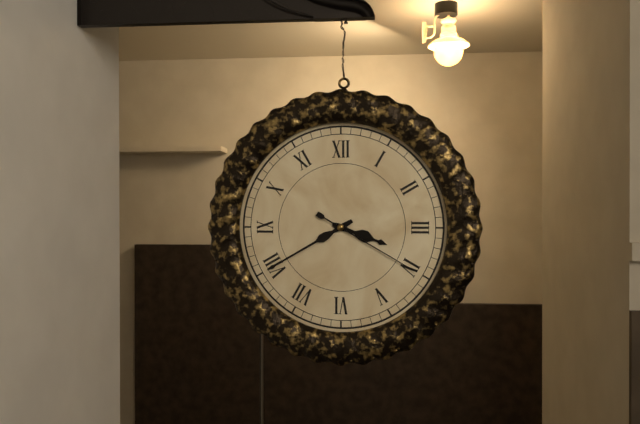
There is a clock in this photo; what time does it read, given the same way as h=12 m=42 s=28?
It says h=3 m=40 s=20
